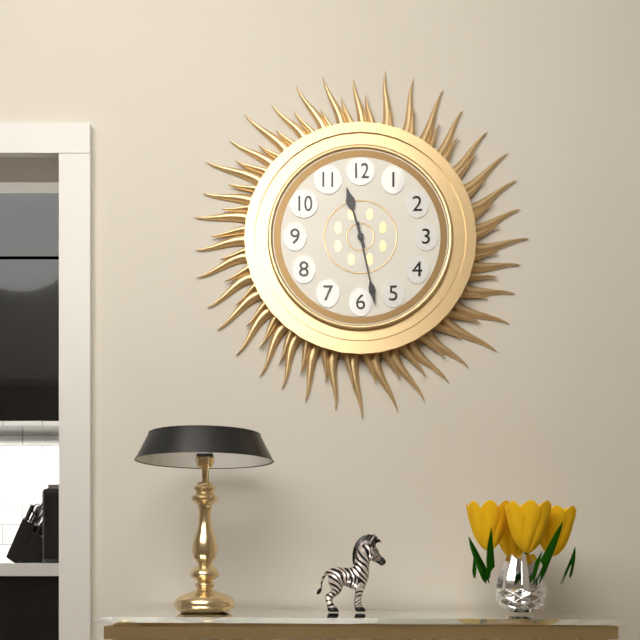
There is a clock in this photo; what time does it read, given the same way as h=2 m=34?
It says h=11 m=28
